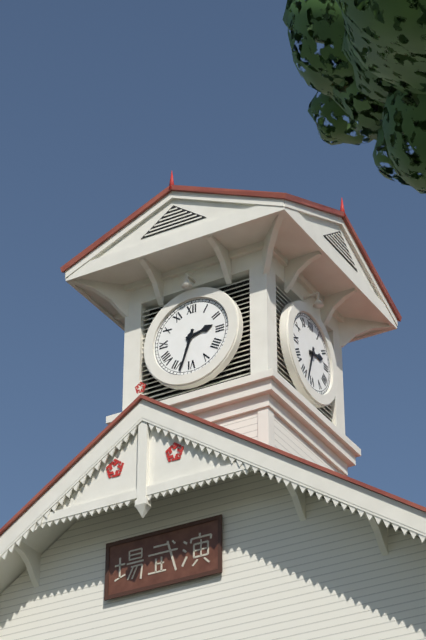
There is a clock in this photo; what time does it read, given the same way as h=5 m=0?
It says h=2 m=33
